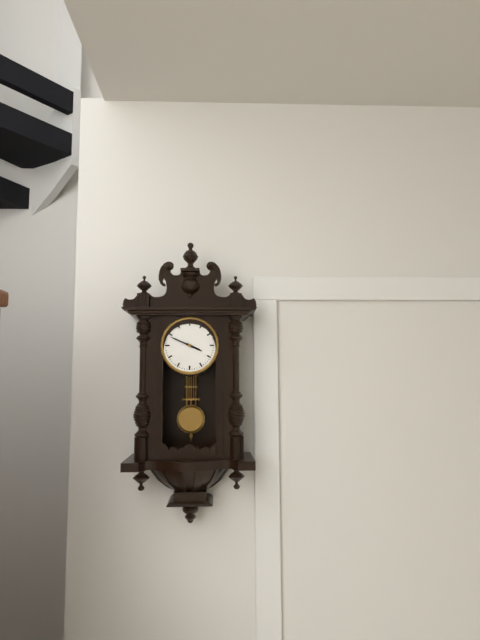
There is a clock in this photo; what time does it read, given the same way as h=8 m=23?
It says h=3 m=49
